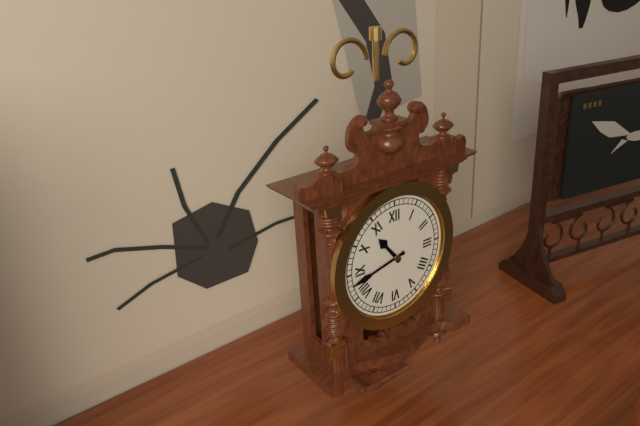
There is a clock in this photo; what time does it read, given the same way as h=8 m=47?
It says h=10 m=43
